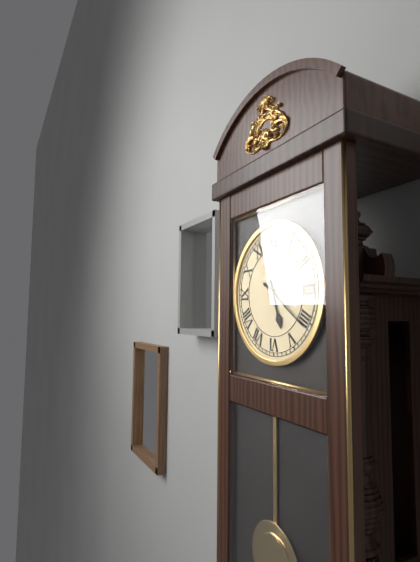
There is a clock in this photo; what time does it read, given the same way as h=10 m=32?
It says h=5 m=21
